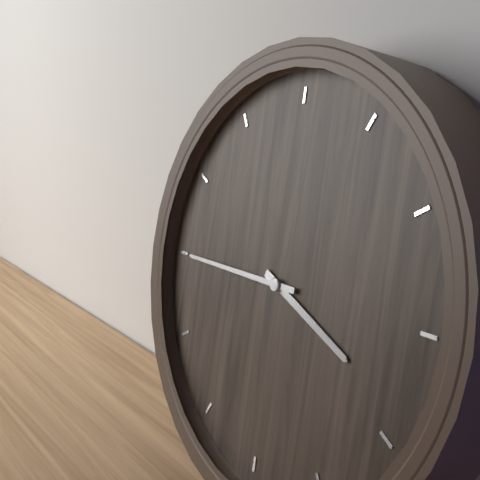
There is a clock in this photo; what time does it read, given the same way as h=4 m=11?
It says h=3 m=45
